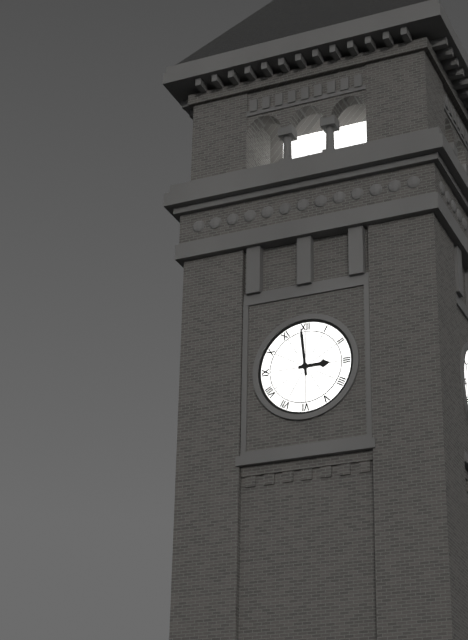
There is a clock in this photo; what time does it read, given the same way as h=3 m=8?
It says h=2 m=59
